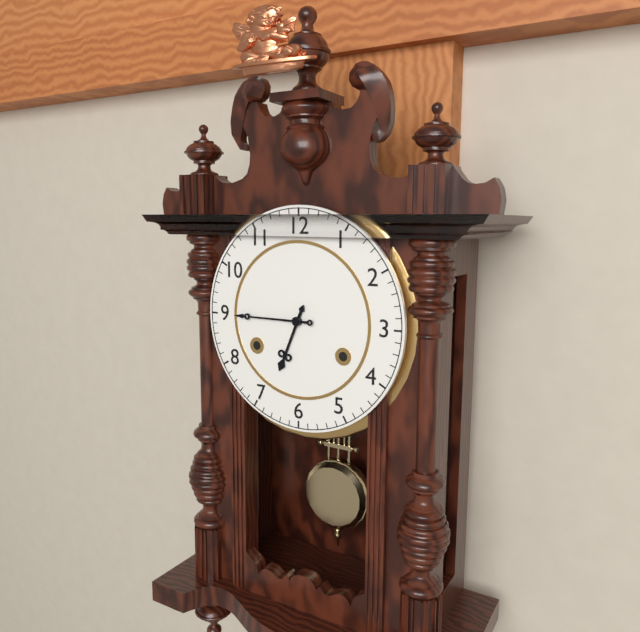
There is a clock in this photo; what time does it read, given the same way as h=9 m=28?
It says h=6 m=45
